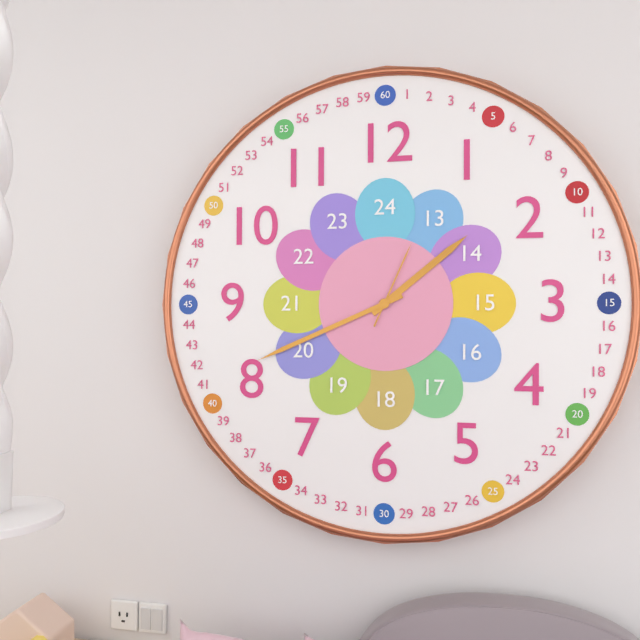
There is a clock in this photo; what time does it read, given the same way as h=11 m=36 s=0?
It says h=1 m=41 s=4
